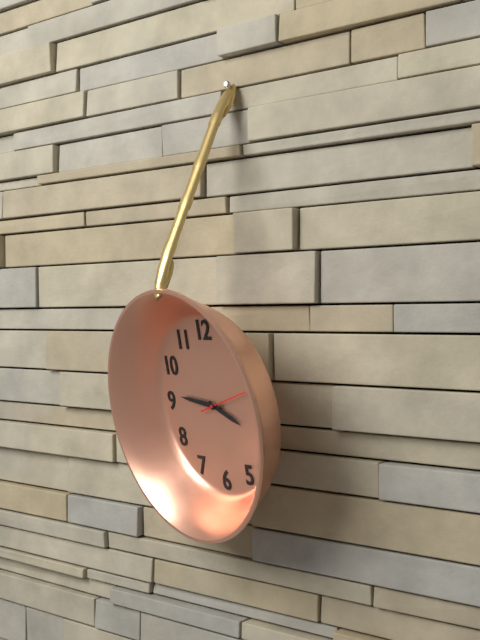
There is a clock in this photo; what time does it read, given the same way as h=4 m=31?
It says h=3 m=46
